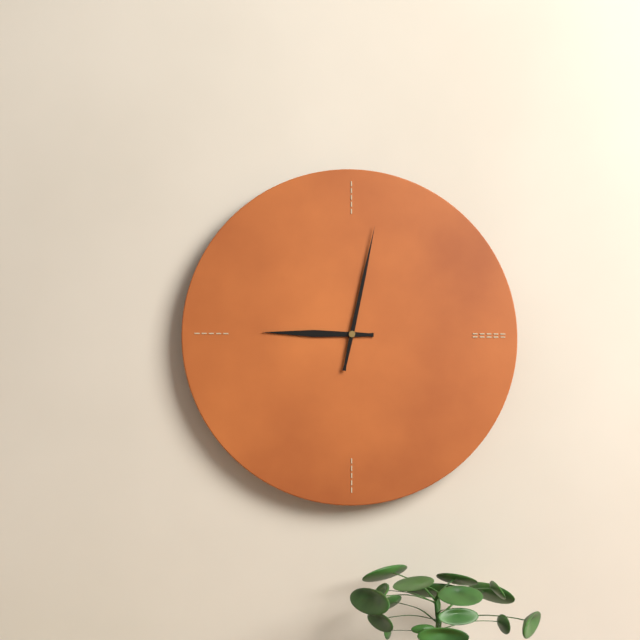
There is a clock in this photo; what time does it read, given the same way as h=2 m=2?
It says h=9 m=2
